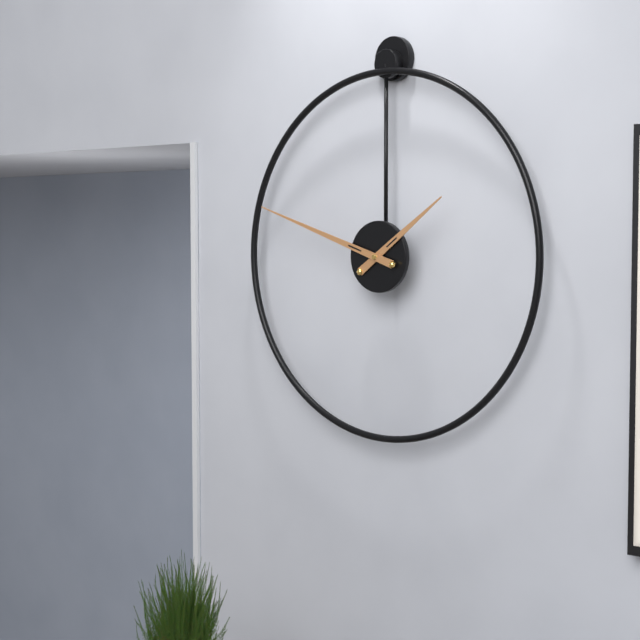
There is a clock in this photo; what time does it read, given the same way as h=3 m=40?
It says h=1 m=48
